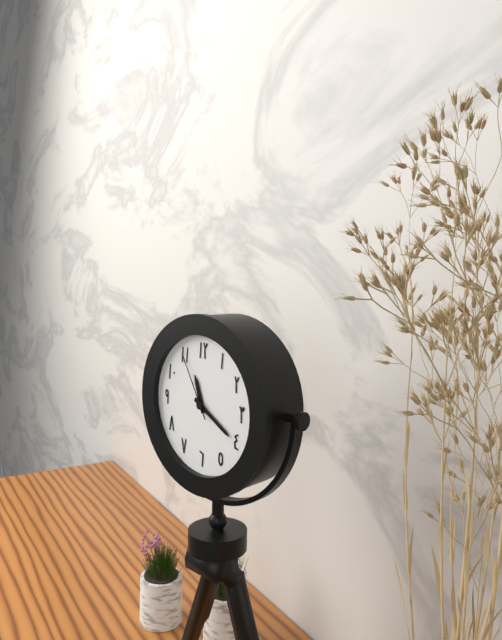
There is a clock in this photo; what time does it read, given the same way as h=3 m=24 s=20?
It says h=11 m=20 s=55
